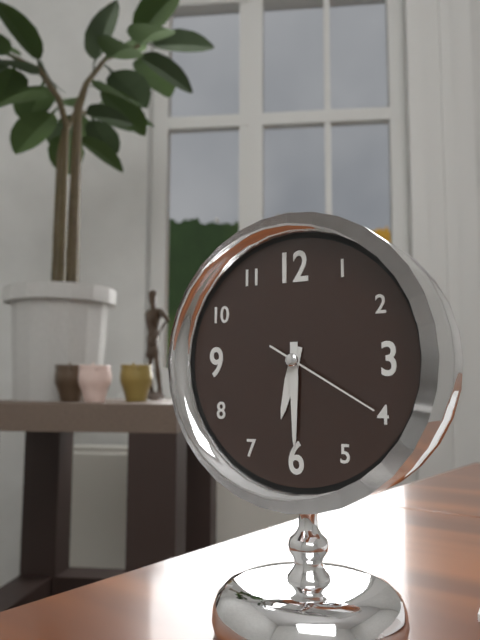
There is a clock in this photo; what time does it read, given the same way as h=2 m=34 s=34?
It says h=6 m=30 s=20
